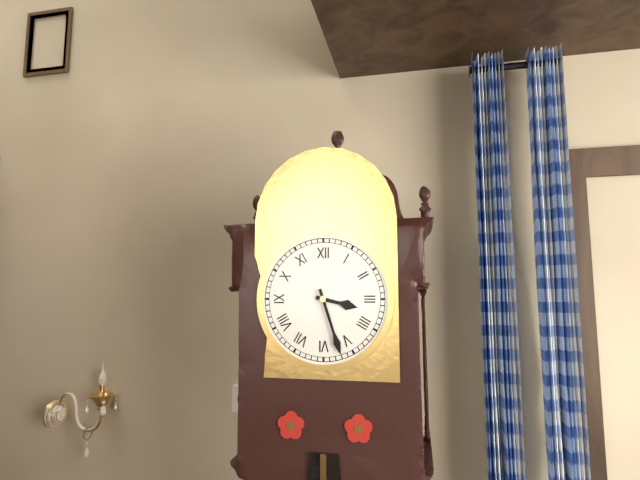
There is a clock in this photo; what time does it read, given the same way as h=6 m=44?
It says h=3 m=27
